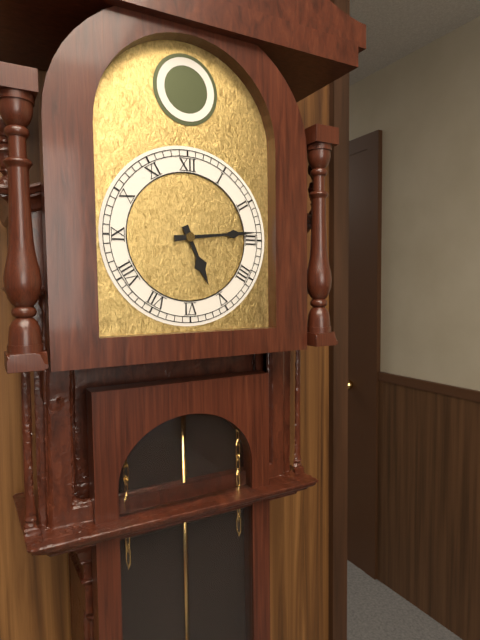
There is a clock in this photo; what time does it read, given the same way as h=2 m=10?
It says h=5 m=14
